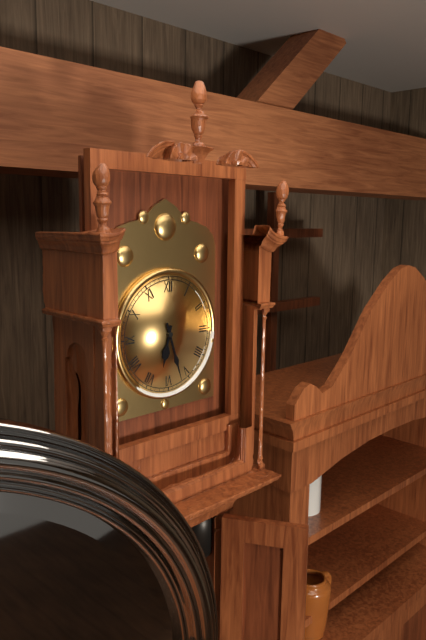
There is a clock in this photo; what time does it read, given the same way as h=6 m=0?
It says h=6 m=27
